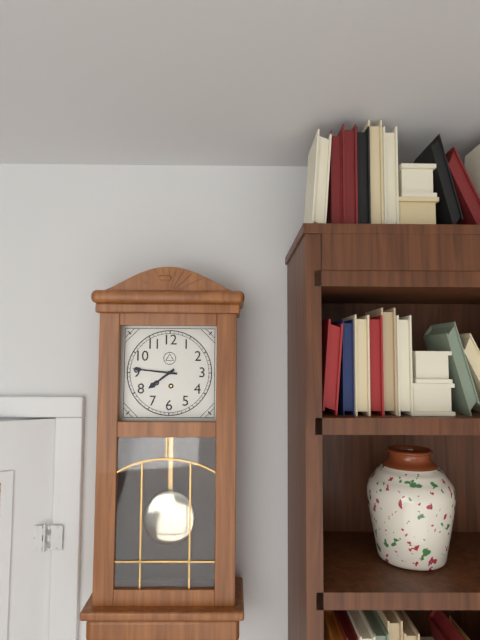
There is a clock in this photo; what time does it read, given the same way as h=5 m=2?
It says h=7 m=46
